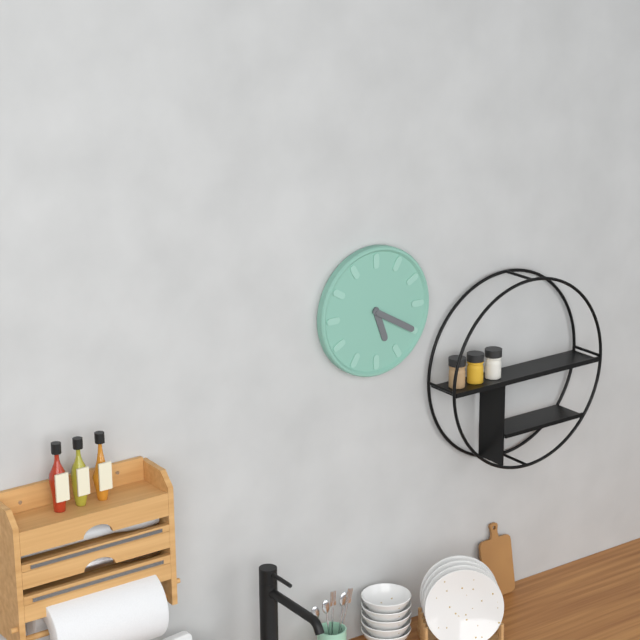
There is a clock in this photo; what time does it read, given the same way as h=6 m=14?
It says h=5 m=20
